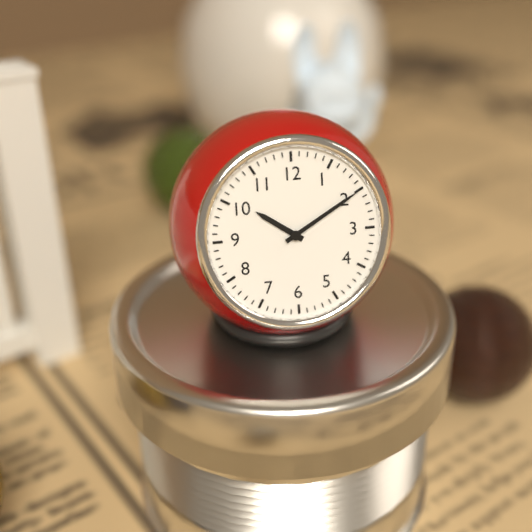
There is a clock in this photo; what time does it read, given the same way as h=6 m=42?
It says h=10 m=10
